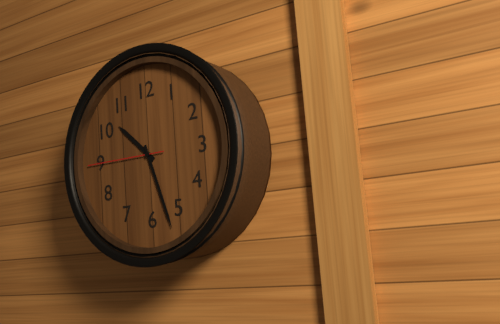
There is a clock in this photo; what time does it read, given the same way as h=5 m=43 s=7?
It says h=10 m=27 s=45
